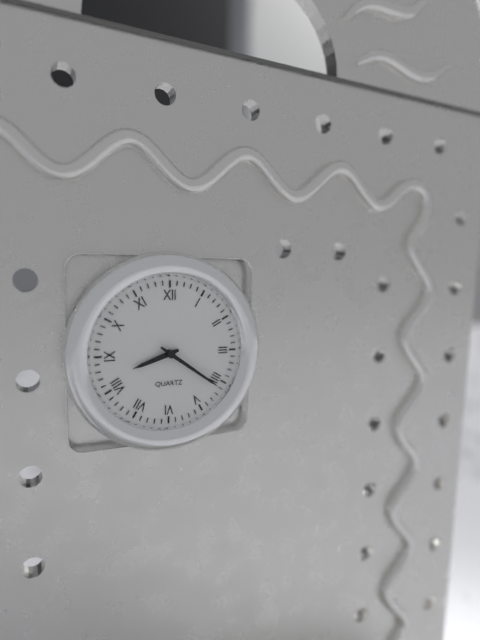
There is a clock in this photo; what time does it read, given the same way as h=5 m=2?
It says h=8 m=21
